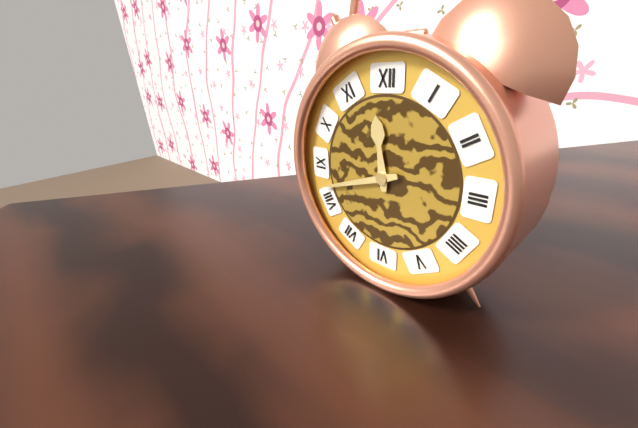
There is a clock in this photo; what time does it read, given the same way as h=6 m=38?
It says h=11 m=42
